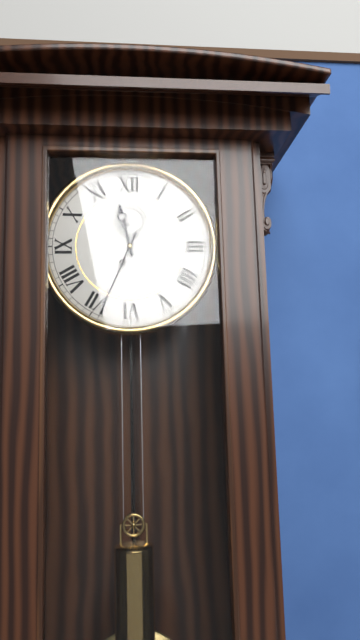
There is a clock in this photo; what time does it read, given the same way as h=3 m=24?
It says h=11 m=34
